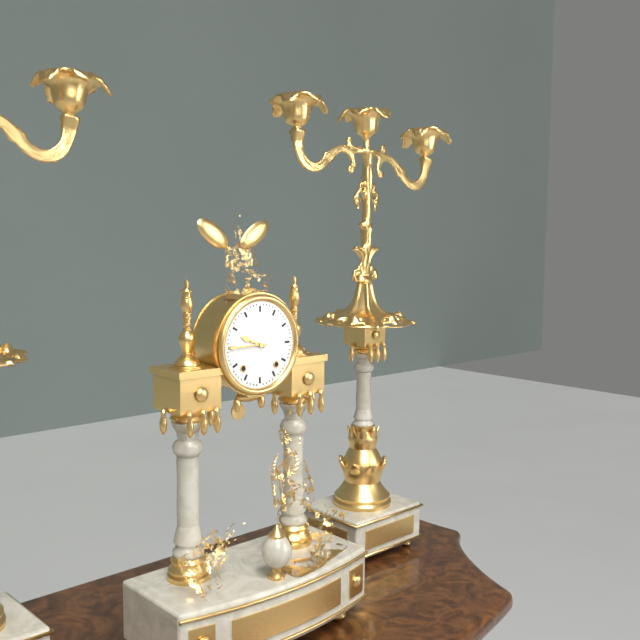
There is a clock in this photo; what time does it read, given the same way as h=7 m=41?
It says h=9 m=45
